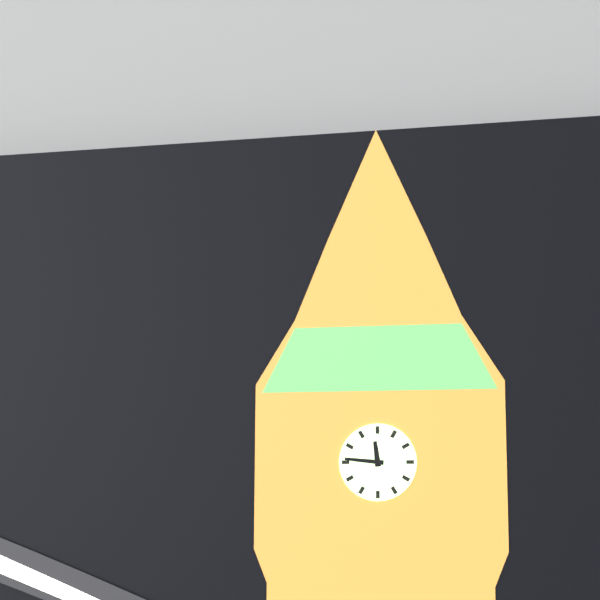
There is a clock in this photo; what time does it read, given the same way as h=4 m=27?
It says h=11 m=46
